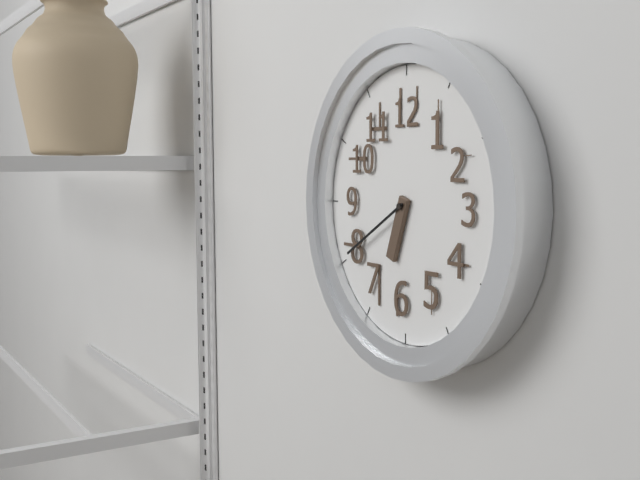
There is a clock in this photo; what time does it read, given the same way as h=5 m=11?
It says h=6 m=40
